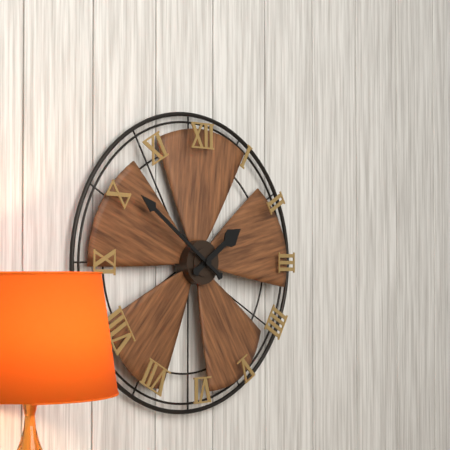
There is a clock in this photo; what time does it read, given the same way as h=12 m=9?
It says h=1 m=51
